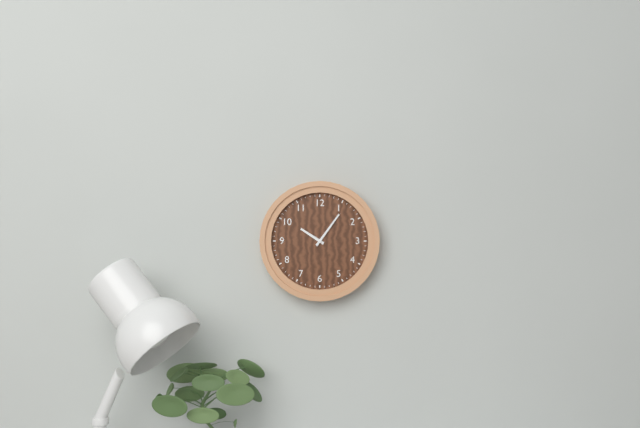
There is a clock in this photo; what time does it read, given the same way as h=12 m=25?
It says h=10 m=6
